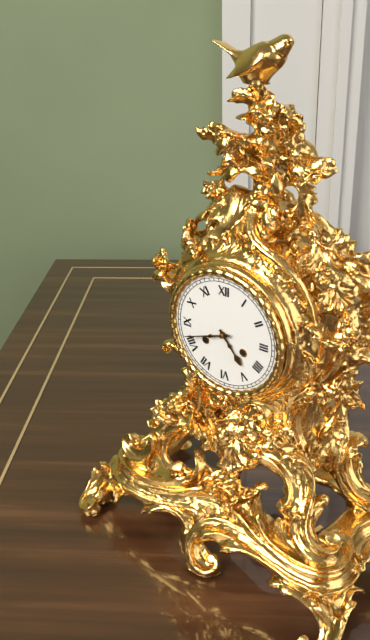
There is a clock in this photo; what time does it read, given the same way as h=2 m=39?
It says h=4 m=42
